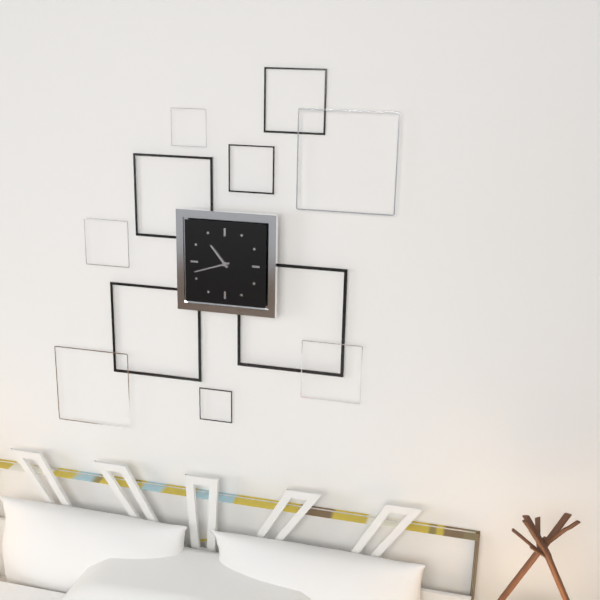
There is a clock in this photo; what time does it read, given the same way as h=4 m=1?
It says h=10 m=42
